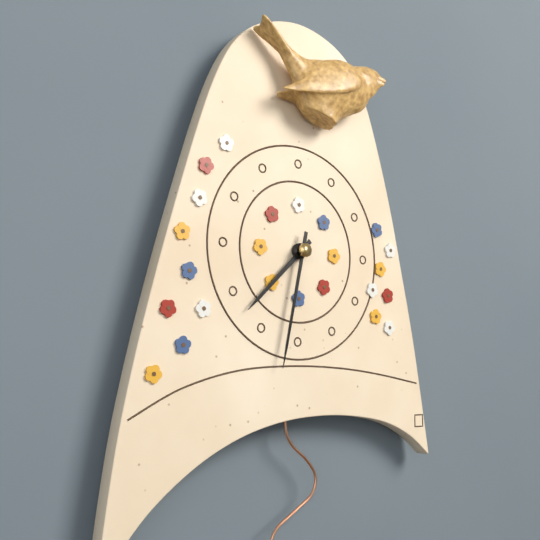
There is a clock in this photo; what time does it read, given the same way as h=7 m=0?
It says h=7 m=32
